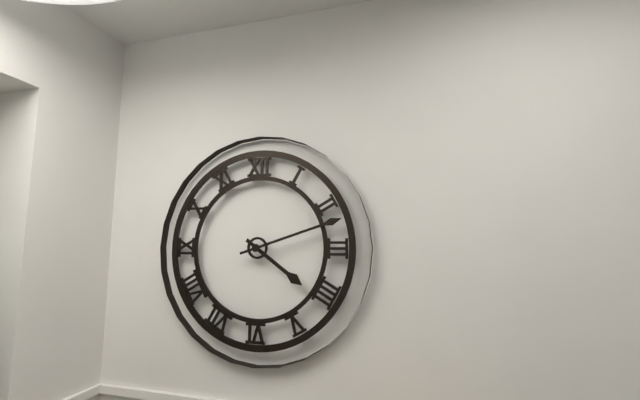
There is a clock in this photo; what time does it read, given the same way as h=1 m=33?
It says h=4 m=12
